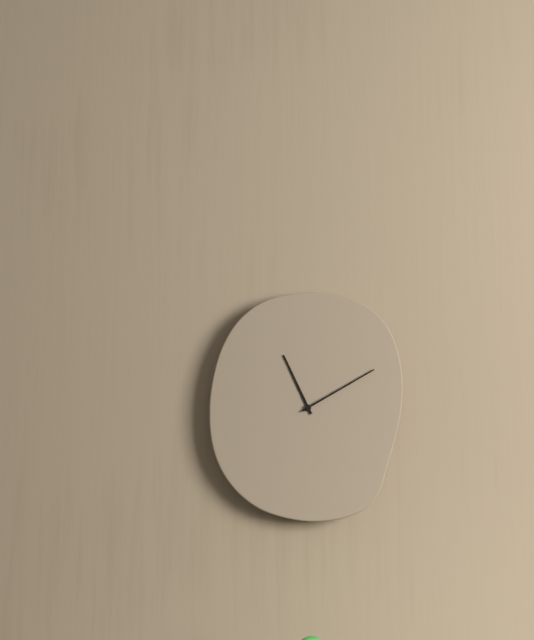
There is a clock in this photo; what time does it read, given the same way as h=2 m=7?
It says h=11 m=10
